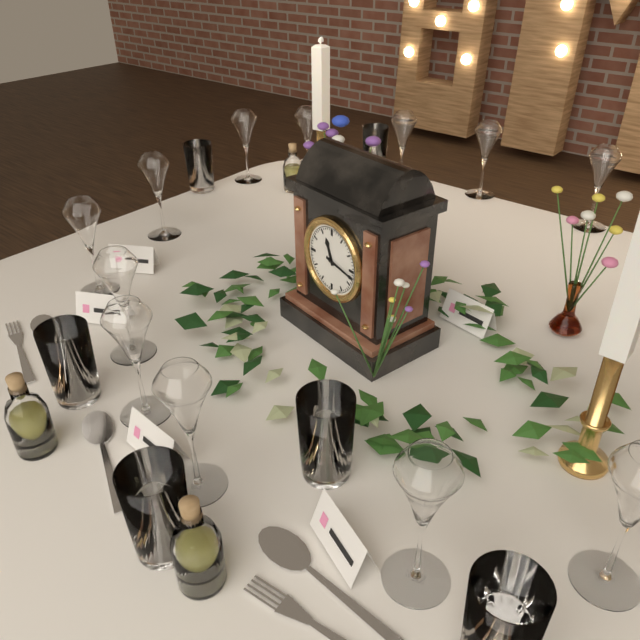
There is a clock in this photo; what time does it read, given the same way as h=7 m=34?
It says h=11 m=17
